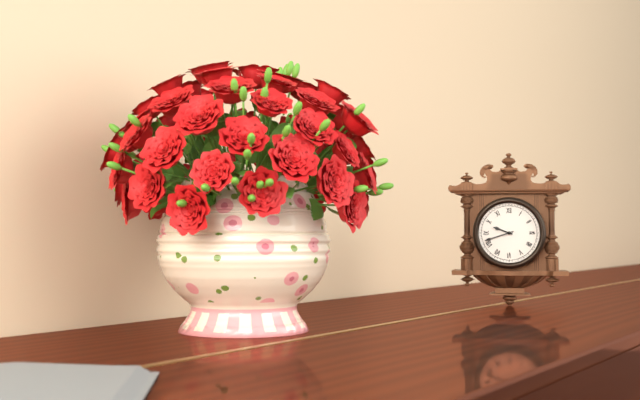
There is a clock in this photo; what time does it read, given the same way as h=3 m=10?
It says h=9 m=42
